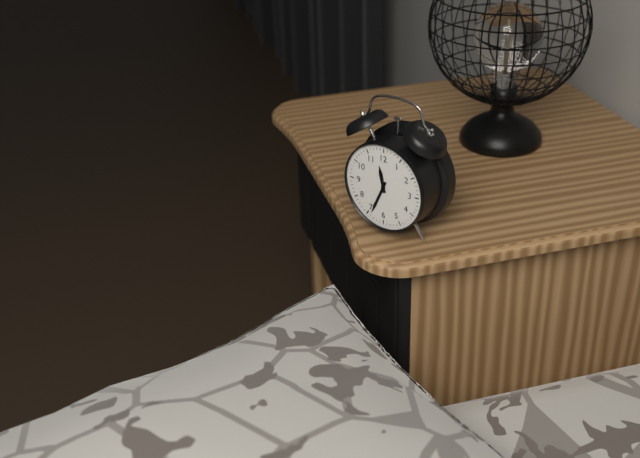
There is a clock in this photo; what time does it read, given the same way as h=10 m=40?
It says h=11 m=34
